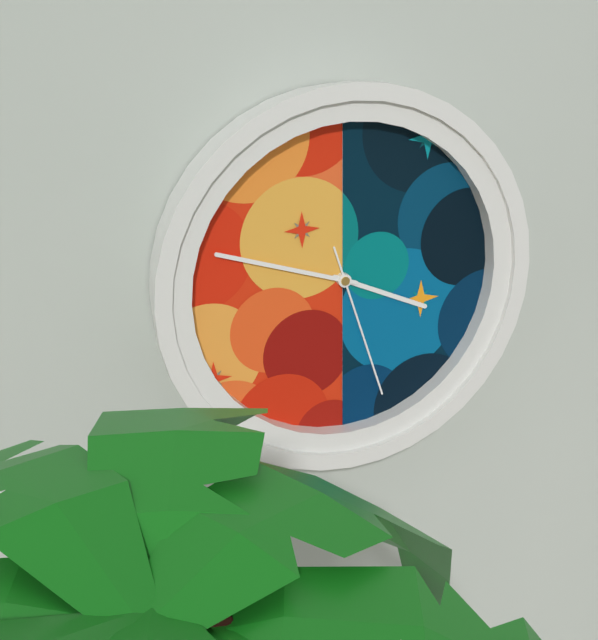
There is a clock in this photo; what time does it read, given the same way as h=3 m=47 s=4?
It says h=3 m=48 s=27
